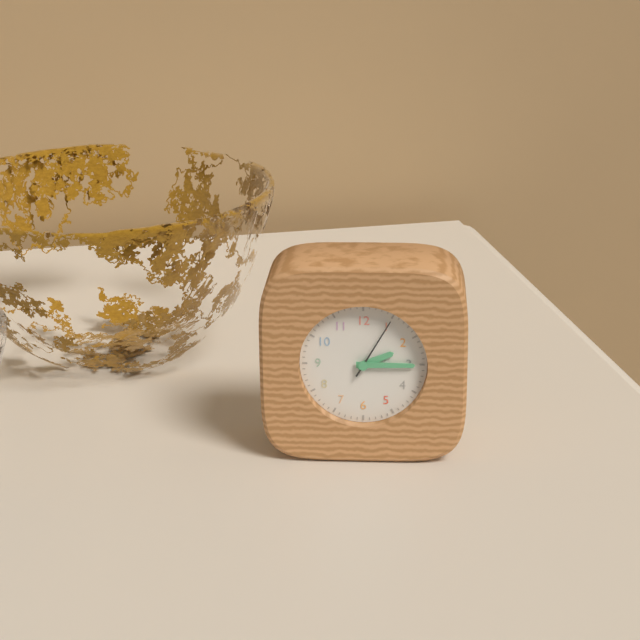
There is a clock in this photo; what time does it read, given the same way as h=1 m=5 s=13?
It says h=2 m=15 s=5
